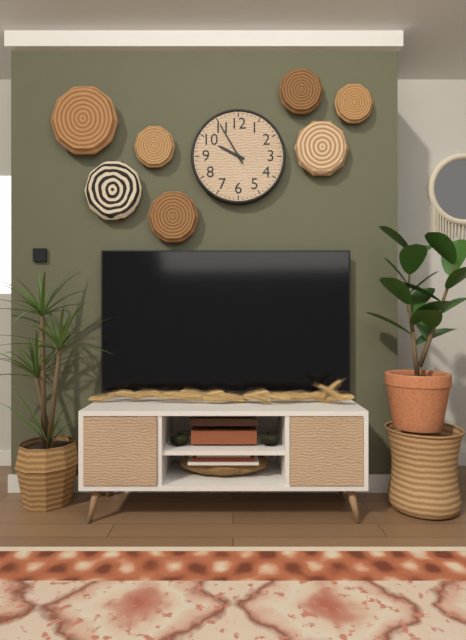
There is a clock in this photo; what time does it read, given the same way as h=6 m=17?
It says h=9 m=55
